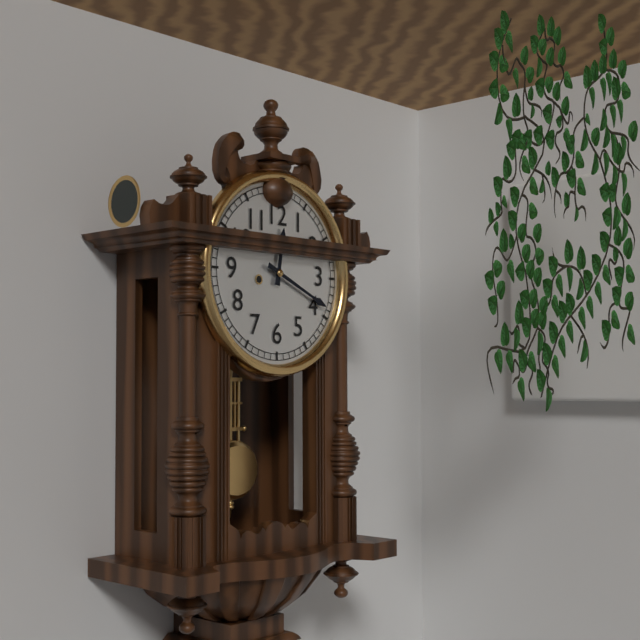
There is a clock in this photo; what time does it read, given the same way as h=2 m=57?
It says h=12 m=19
